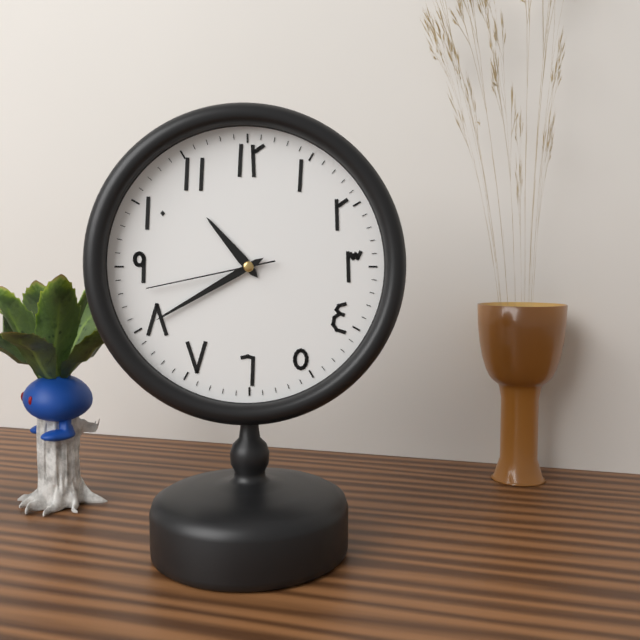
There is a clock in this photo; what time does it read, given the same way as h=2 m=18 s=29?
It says h=10 m=40 s=43
